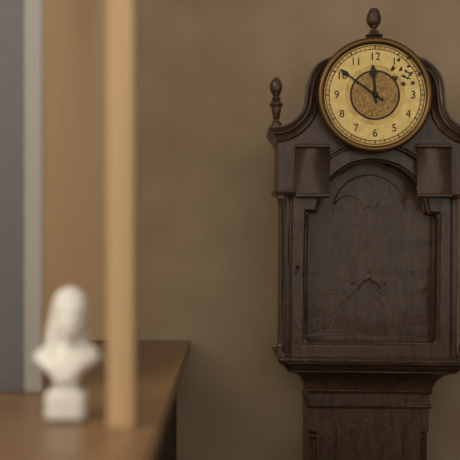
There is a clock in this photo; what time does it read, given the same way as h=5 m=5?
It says h=11 m=51
